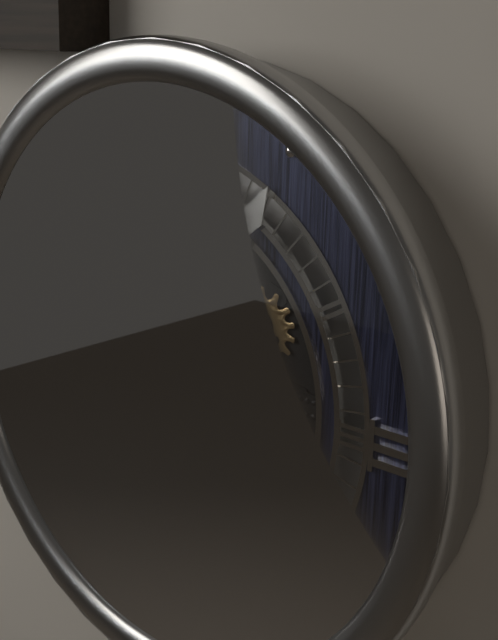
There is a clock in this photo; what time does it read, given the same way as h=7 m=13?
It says h=5 m=5
